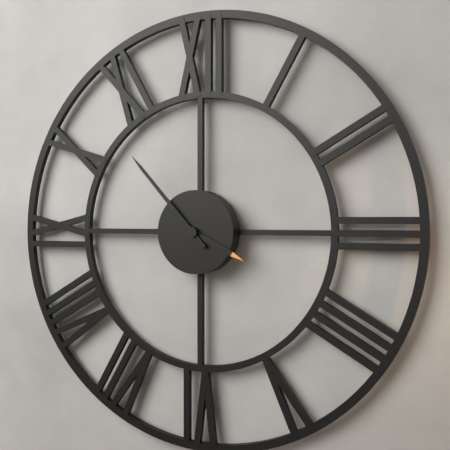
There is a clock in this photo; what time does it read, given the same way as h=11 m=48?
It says h=3 m=53
